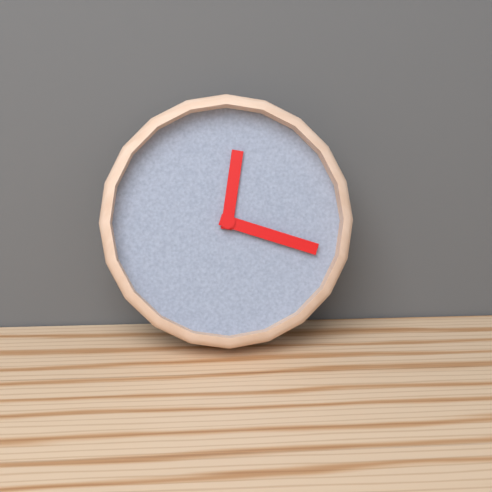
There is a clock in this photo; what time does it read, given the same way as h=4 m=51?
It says h=12 m=18
